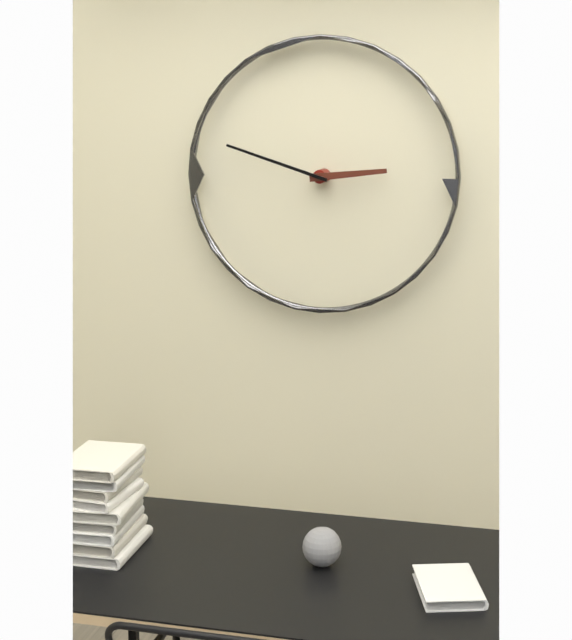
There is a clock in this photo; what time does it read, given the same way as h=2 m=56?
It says h=2 m=48
